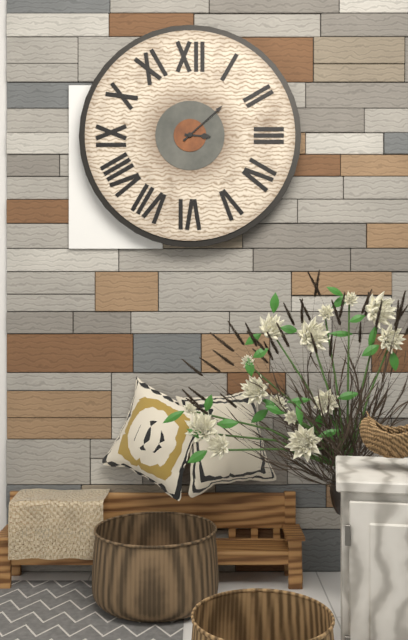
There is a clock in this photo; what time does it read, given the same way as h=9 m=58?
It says h=3 m=8
